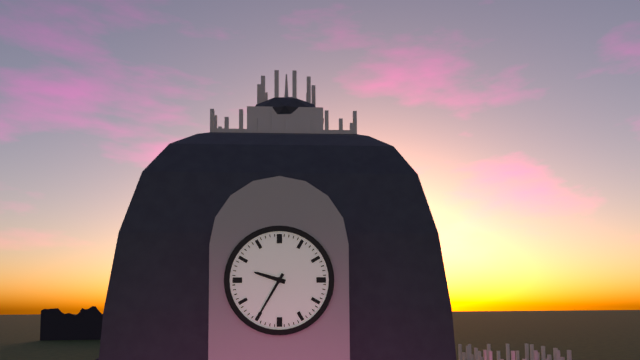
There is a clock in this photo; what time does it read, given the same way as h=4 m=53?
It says h=9 m=35
